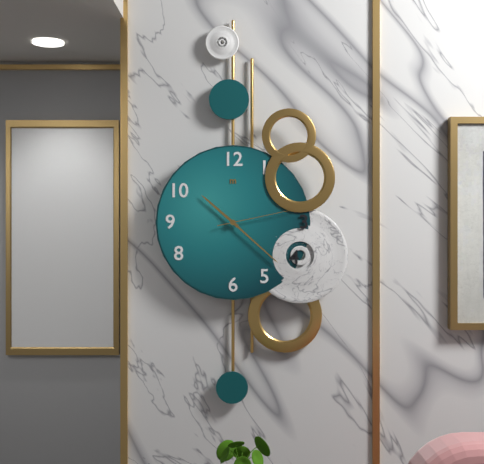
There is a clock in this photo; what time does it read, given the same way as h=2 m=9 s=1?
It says h=10 m=22 s=13
